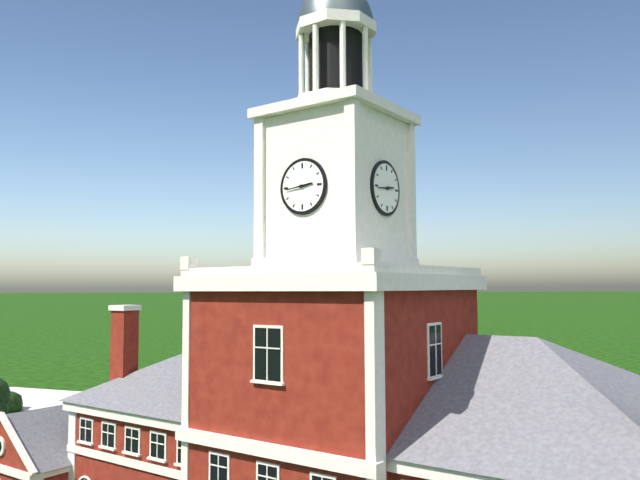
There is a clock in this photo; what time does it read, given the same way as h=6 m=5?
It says h=2 m=44
